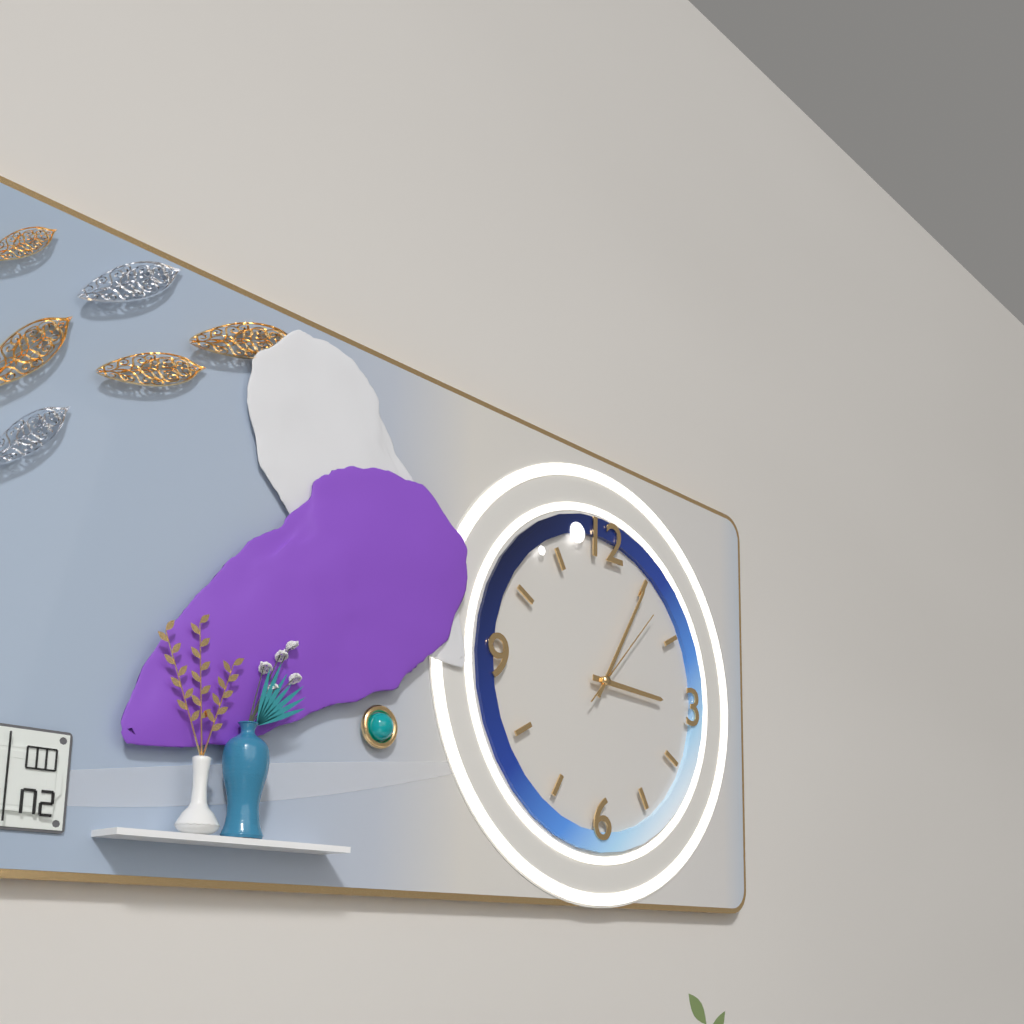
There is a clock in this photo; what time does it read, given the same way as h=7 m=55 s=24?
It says h=3 m=5 s=7
